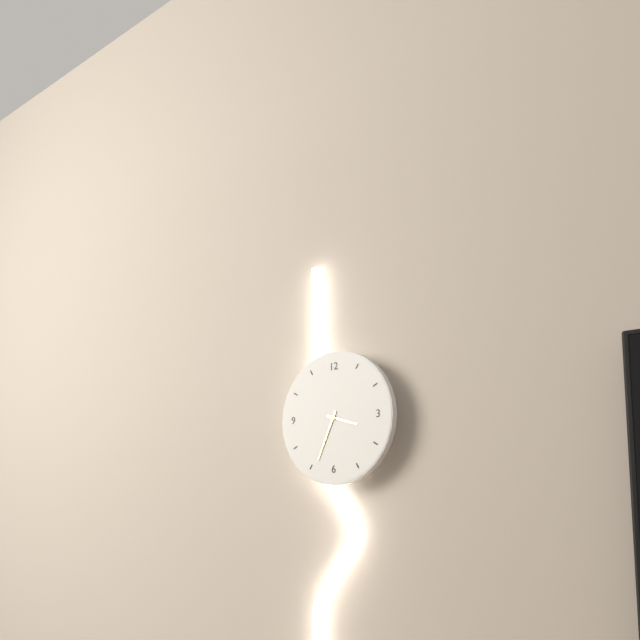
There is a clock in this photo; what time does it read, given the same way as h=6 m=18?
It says h=3 m=34
